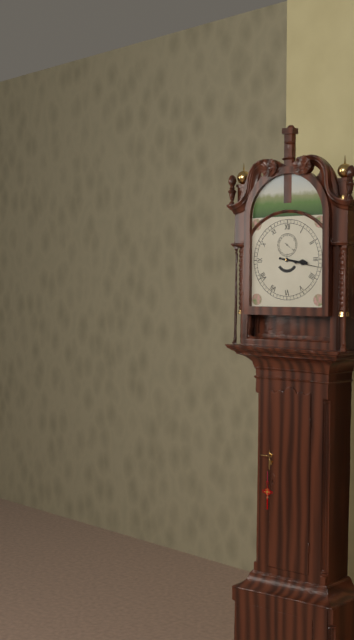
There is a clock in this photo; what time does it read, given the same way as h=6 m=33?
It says h=3 m=17
